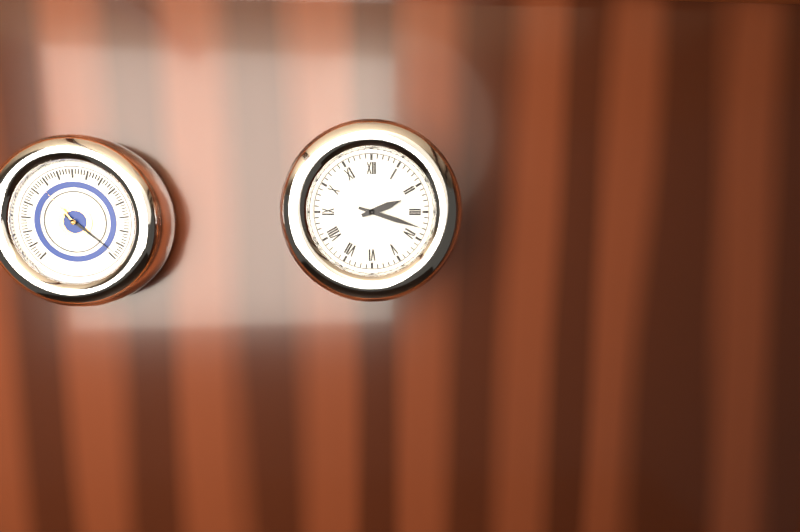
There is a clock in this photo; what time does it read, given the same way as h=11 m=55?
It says h=2 m=18
